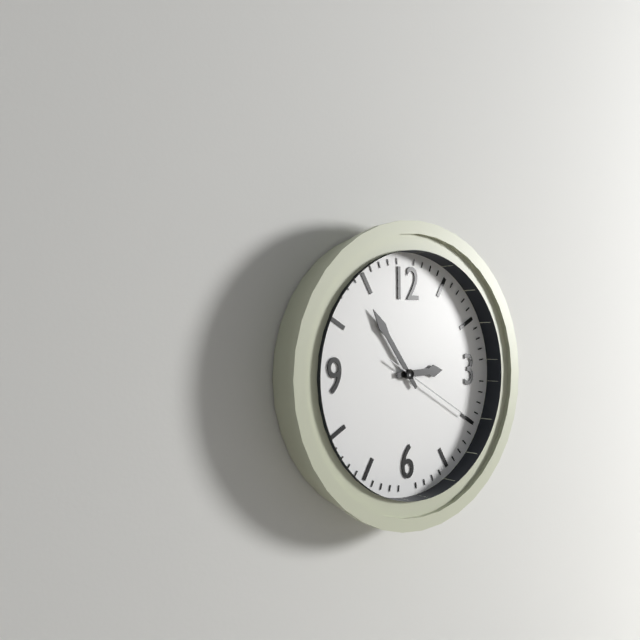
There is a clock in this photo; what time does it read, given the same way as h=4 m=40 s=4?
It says h=2 m=54 s=20
